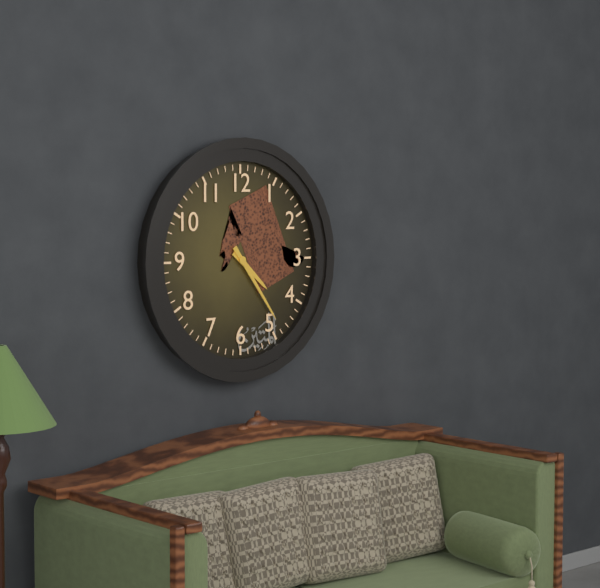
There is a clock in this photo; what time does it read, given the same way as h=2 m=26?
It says h=4 m=24
